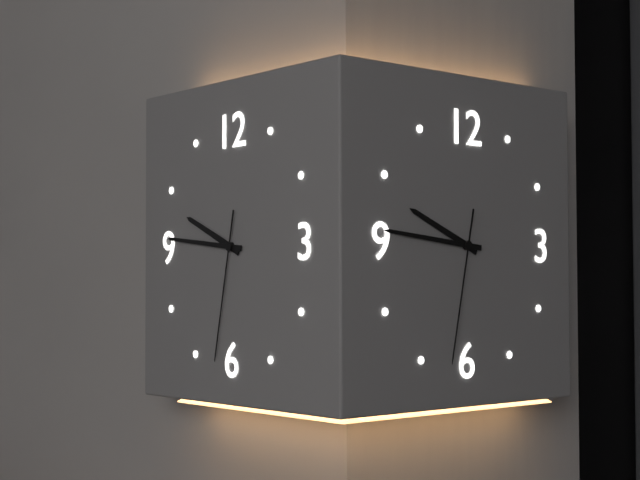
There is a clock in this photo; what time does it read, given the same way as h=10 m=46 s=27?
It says h=9 m=46 s=32
